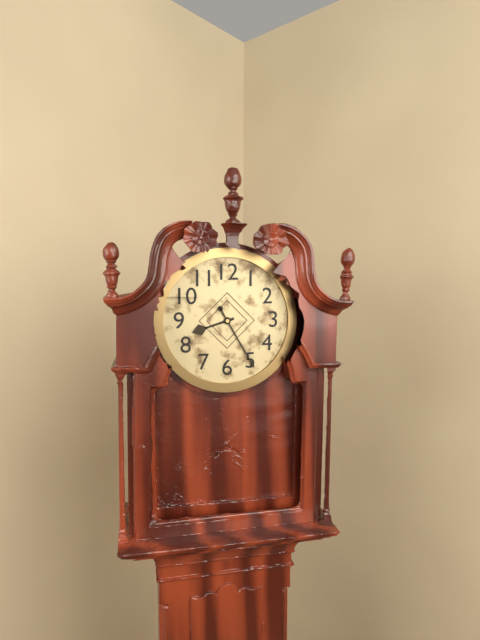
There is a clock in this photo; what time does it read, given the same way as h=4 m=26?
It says h=8 m=25
